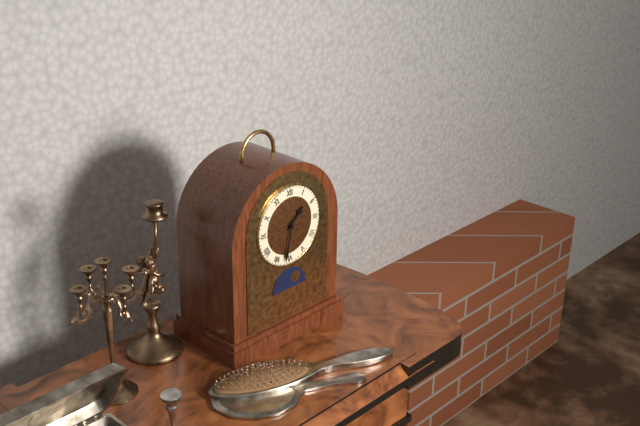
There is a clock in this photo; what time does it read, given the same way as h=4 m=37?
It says h=1 m=32
